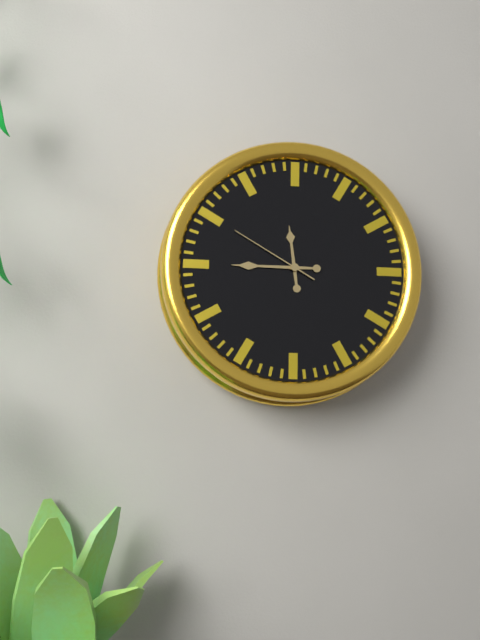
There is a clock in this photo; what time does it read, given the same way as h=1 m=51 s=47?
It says h=11 m=45 s=50
